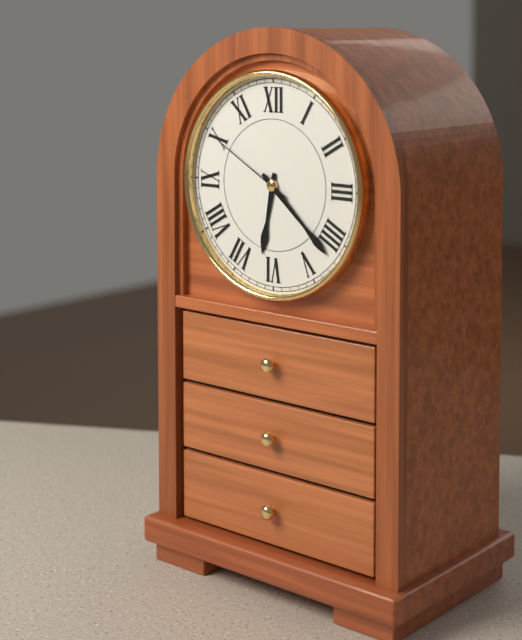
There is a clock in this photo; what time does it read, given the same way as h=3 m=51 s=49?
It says h=6 m=22 s=50
